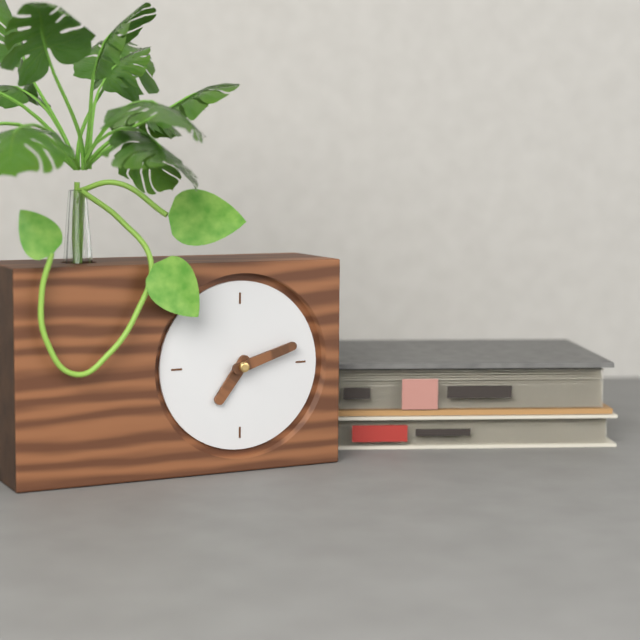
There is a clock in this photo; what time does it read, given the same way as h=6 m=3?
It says h=7 m=12
